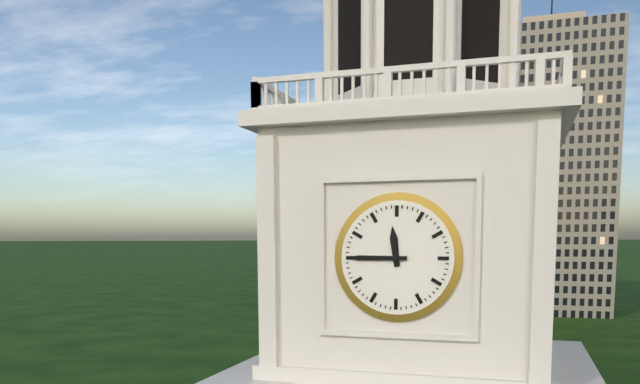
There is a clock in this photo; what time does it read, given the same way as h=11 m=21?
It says h=11 m=45
